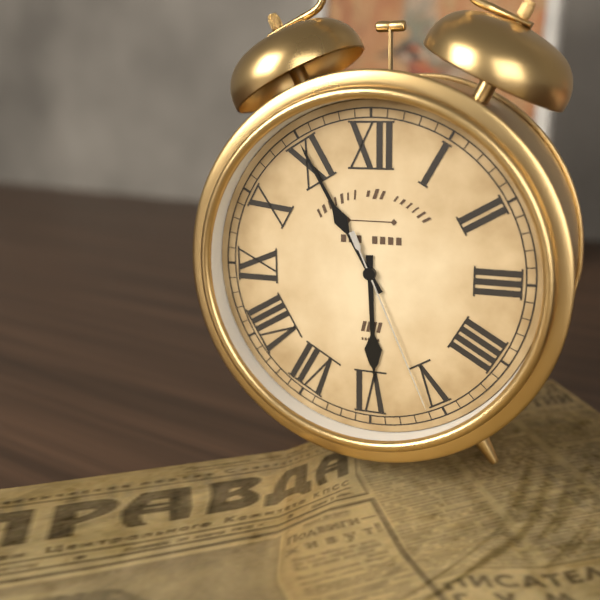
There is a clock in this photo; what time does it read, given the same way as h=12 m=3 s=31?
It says h=5 m=55 s=26
